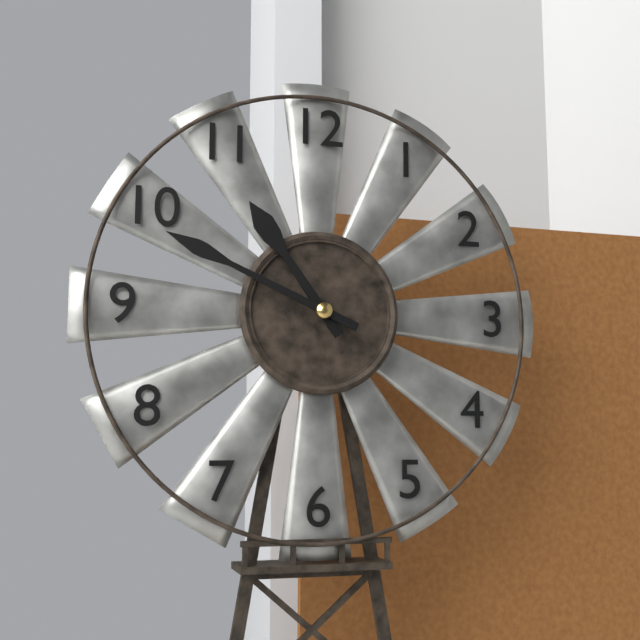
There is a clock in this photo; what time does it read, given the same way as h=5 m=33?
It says h=10 m=49
